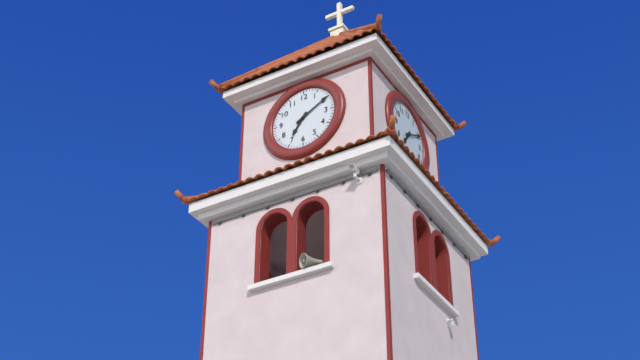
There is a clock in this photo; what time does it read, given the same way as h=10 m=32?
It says h=7 m=10
